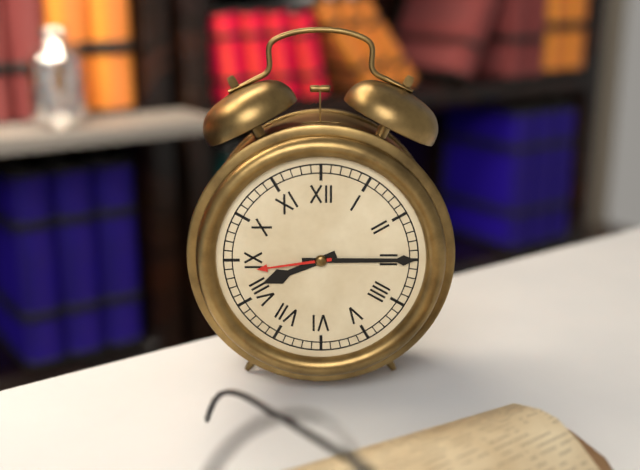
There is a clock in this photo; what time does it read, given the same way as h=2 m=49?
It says h=8 m=15
